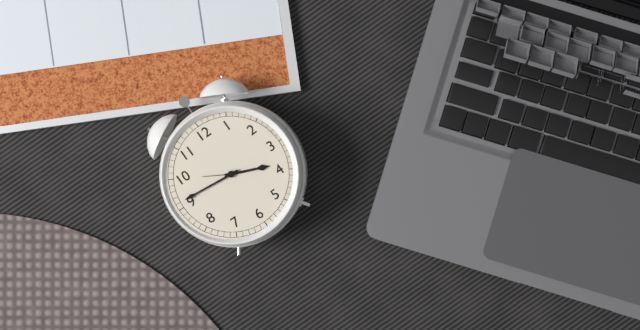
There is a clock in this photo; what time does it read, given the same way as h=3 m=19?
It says h=3 m=46
